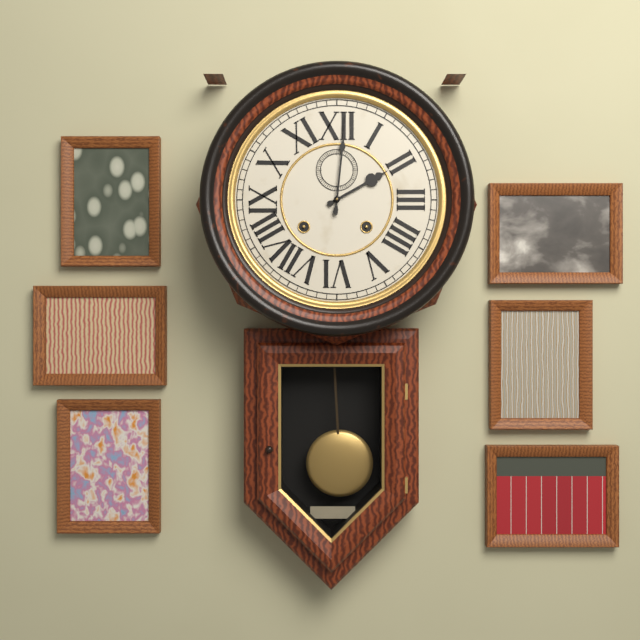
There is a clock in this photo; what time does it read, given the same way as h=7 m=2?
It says h=2 m=1
